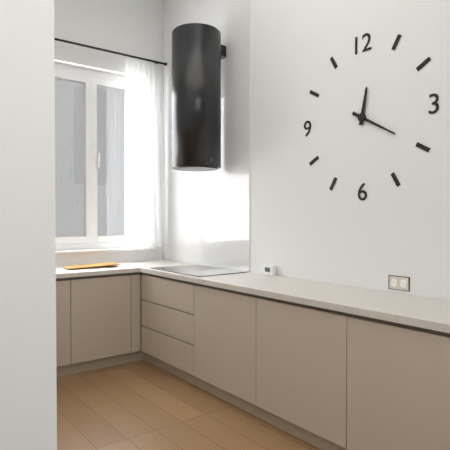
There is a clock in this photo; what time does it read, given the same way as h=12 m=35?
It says h=12 m=20
